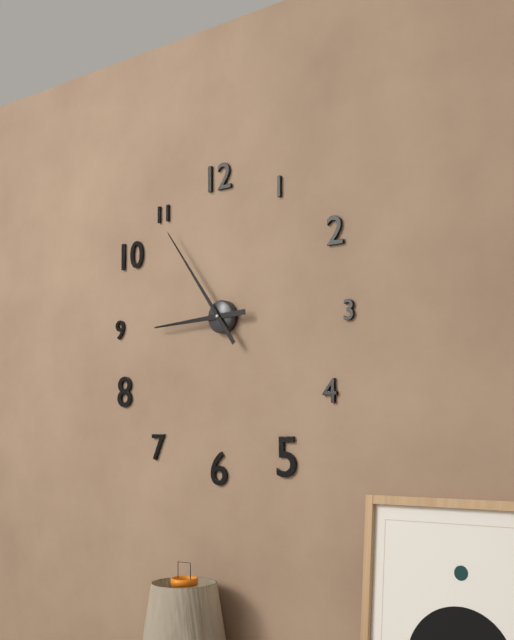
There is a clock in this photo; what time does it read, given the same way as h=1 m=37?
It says h=8 m=54
